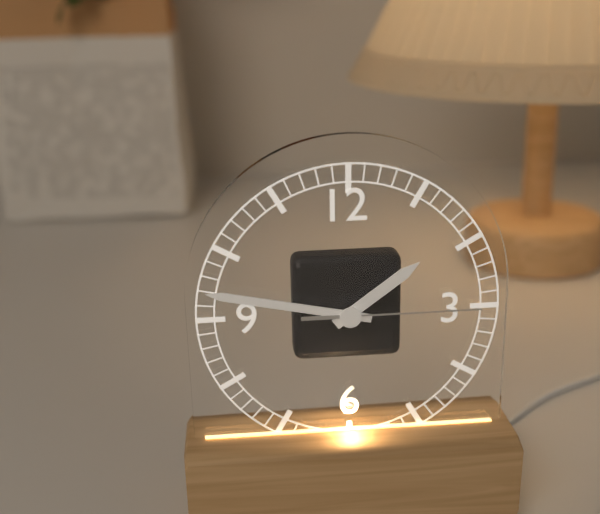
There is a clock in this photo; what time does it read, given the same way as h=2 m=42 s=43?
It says h=1 m=47 s=15
